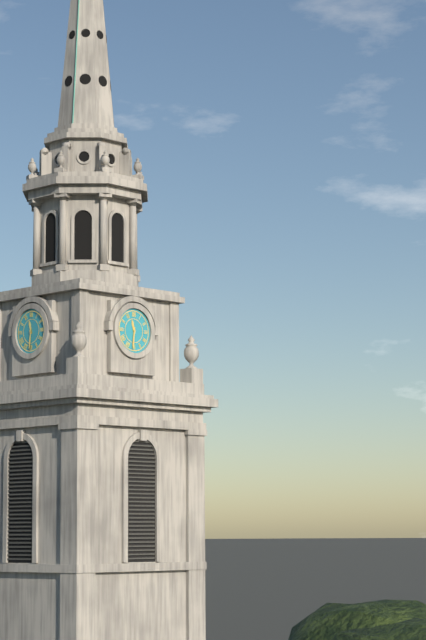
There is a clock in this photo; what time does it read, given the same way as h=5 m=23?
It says h=11 m=31
